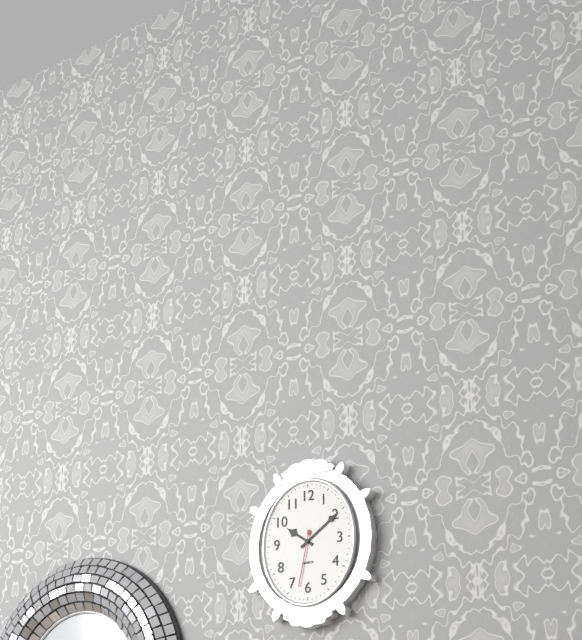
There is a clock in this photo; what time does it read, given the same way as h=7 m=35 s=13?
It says h=10 m=9 s=32
